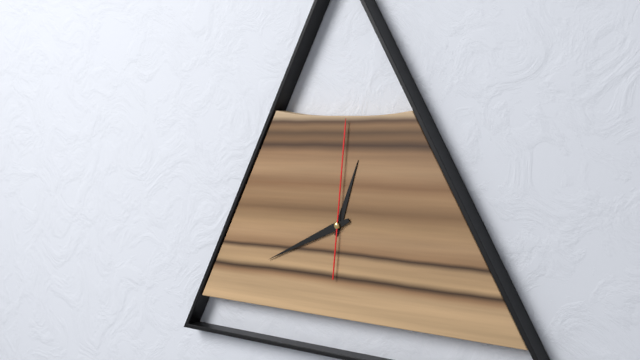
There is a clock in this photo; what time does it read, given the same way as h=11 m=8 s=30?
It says h=12 m=41 s=1
